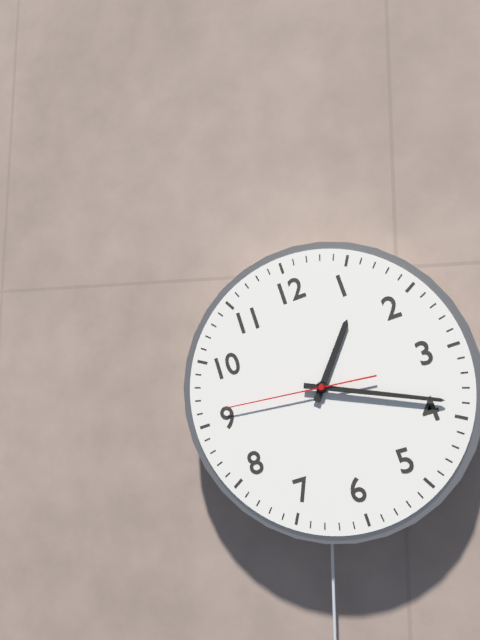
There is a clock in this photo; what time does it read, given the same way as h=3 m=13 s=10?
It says h=1 m=19 s=46
